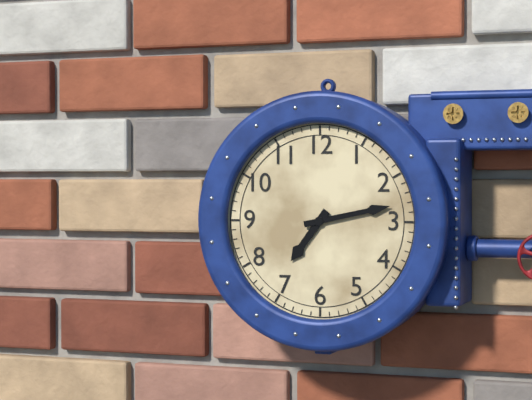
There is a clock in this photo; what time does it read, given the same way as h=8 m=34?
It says h=7 m=13
